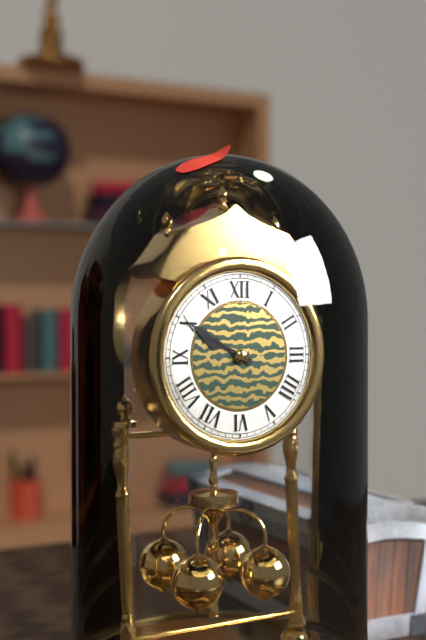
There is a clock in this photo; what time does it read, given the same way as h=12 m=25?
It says h=9 m=50
